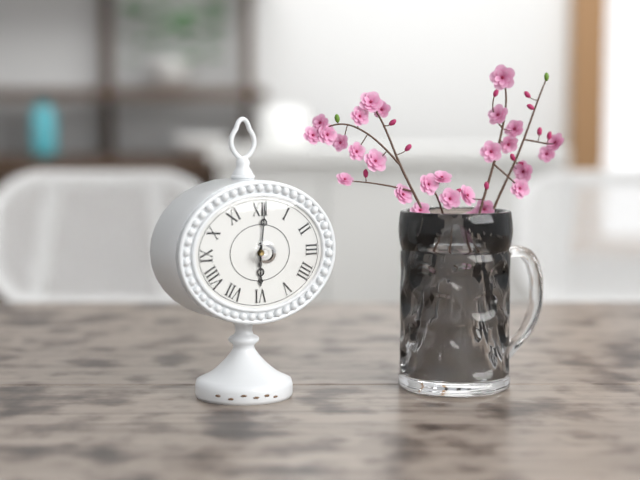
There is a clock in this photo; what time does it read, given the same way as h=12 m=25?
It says h=6 m=1
